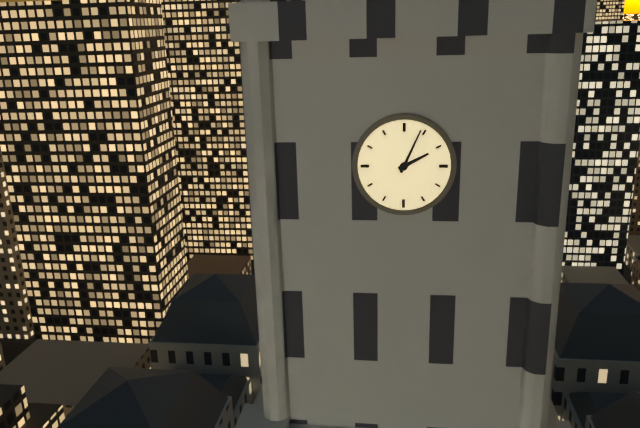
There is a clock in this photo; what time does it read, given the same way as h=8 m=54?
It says h=2 m=4
